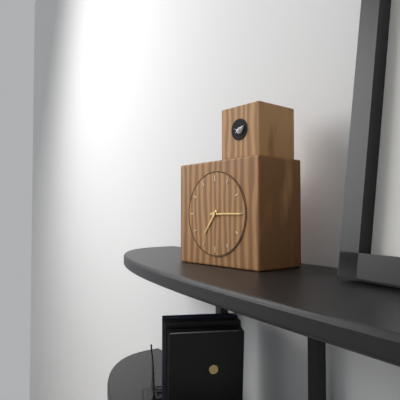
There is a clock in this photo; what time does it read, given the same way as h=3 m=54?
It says h=7 m=15
